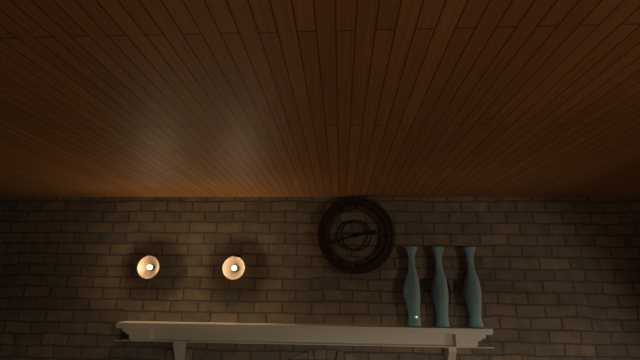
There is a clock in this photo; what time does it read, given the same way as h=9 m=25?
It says h=2 m=42
